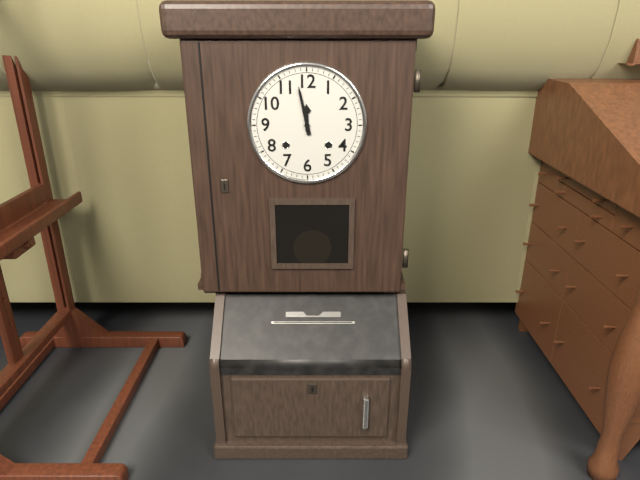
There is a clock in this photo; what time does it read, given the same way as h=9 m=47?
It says h=11 m=58
